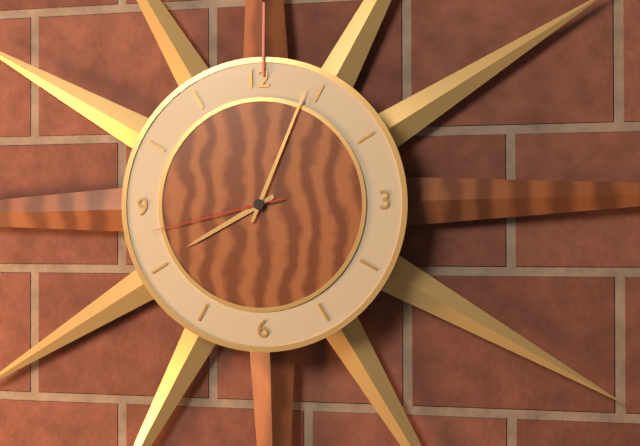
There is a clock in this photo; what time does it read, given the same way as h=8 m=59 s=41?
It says h=8 m=4 s=43
